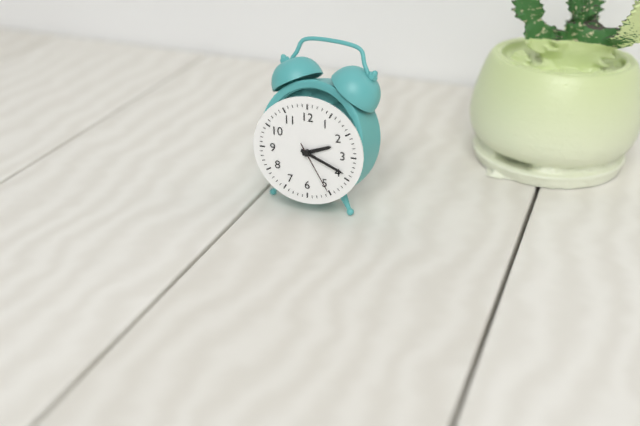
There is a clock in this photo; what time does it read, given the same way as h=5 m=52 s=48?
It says h=2 m=19 s=25
